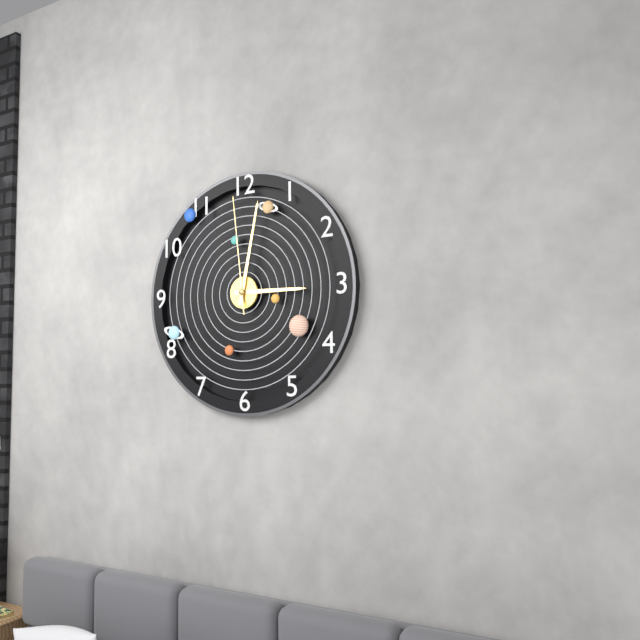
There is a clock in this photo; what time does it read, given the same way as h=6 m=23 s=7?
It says h=3 m=2 s=59
